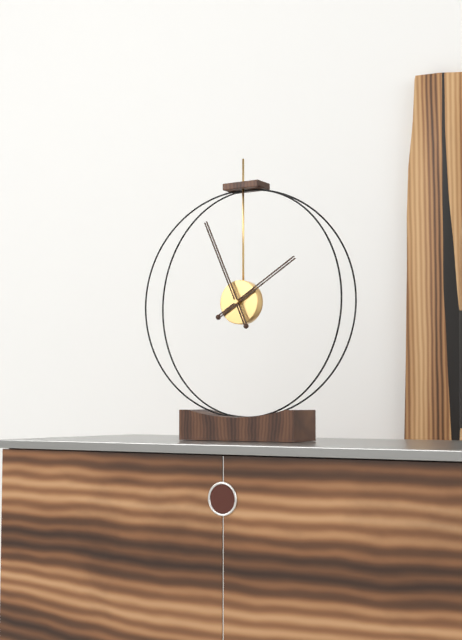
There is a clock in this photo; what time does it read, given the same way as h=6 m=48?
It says h=1 m=56
